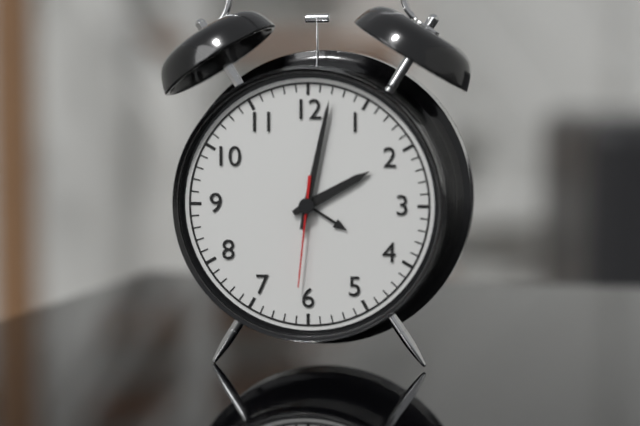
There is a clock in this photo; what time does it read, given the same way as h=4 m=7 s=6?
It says h=2 m=2 s=31
